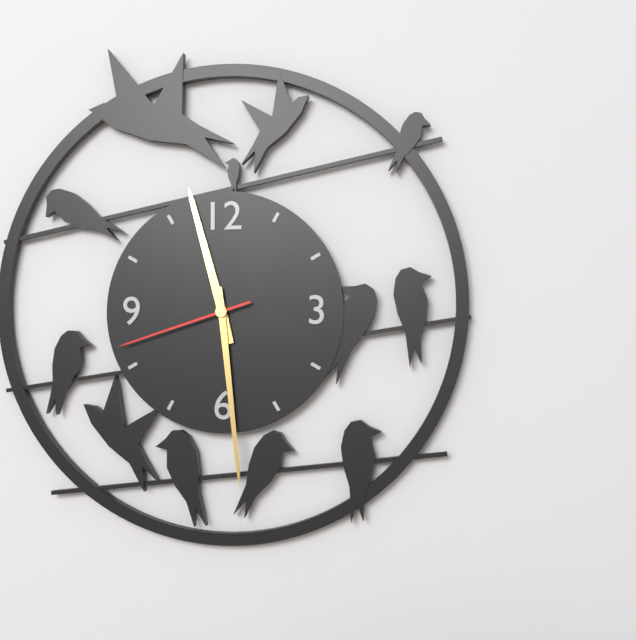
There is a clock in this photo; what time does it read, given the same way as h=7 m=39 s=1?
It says h=11 m=29 s=42
